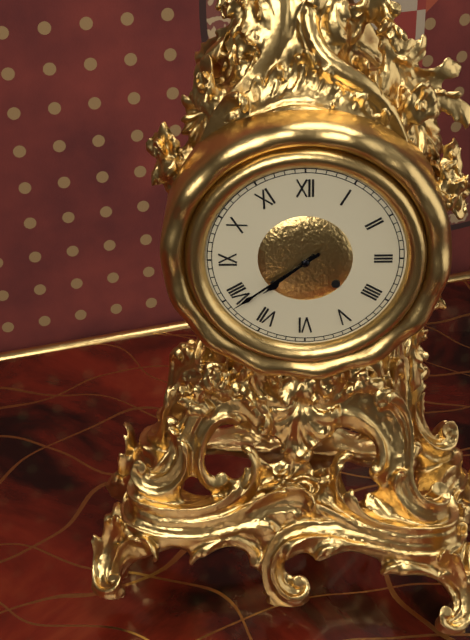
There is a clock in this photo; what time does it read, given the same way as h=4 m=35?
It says h=7 m=39
